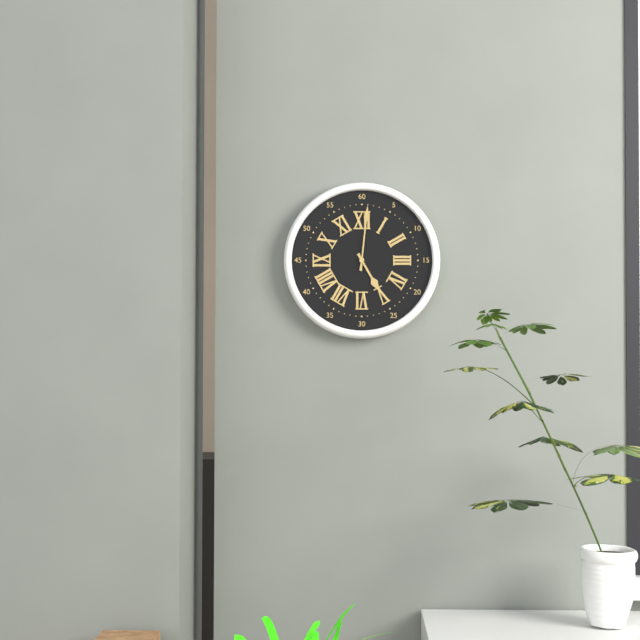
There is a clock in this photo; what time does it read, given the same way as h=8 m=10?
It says h=5 m=1
